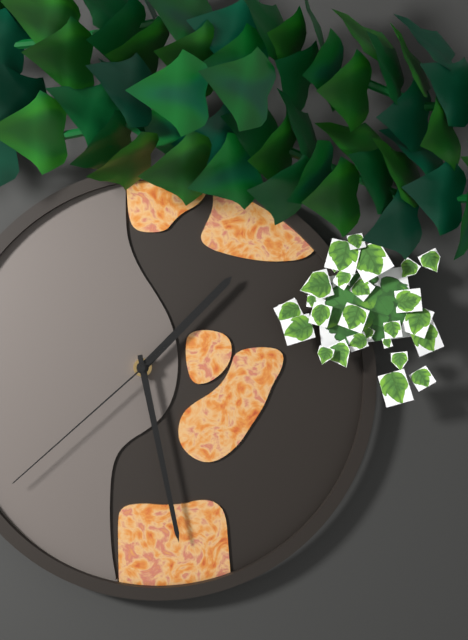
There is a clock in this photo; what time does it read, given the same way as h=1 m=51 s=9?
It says h=1 m=28 s=38
